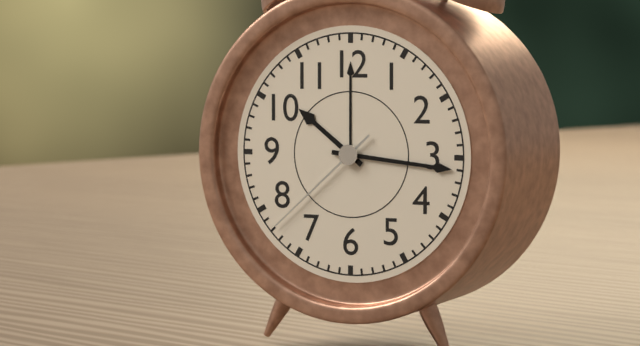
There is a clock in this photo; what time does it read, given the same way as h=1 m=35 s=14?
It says h=10 m=16 s=38
